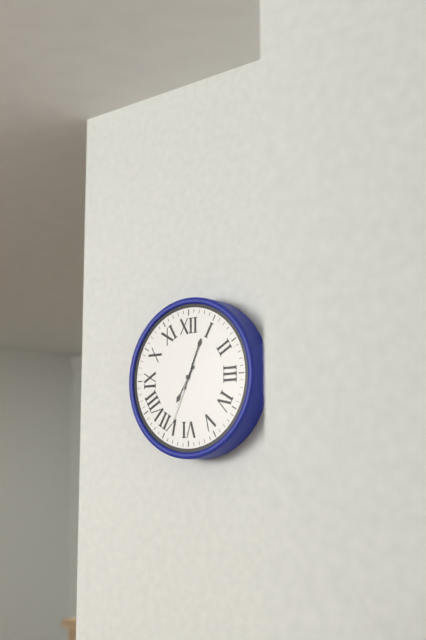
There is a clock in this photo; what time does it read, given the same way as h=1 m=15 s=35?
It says h=7 m=4 s=34
